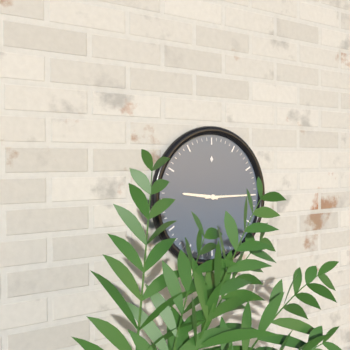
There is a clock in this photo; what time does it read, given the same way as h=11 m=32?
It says h=9 m=15
